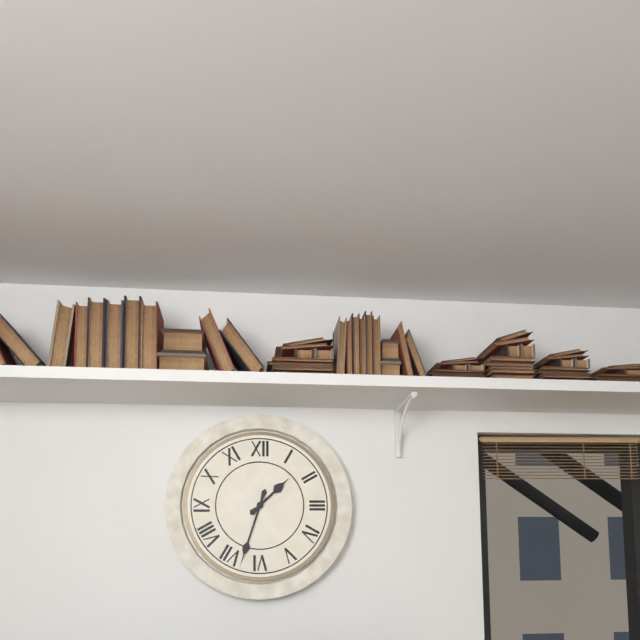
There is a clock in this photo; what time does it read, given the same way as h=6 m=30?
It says h=1 m=33
